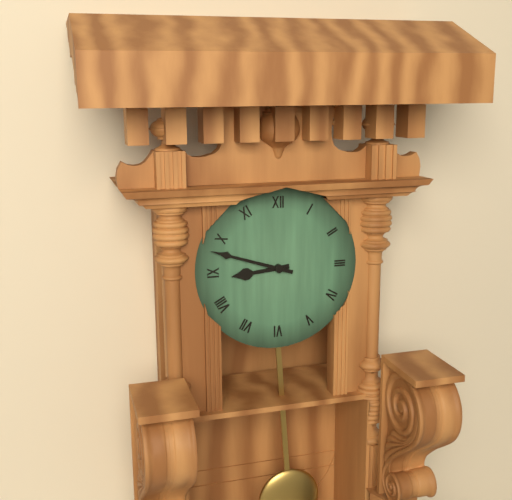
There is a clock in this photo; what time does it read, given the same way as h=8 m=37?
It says h=8 m=48
